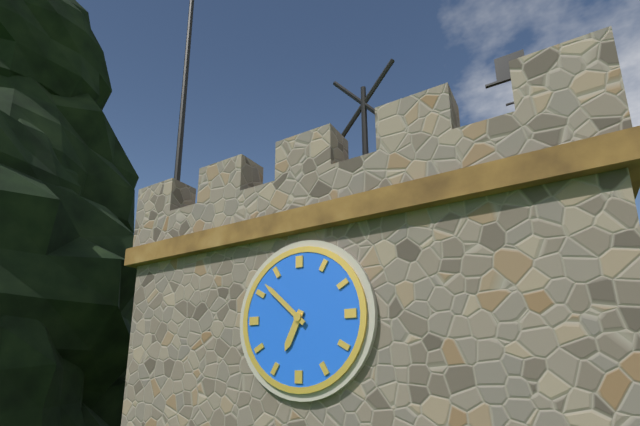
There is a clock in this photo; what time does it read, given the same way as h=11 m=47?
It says h=6 m=52
